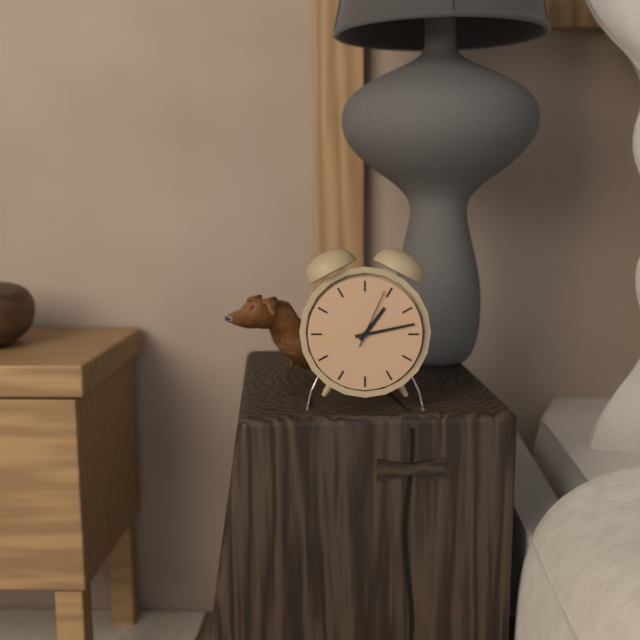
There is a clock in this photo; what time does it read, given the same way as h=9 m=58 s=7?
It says h=1 m=13 s=4
